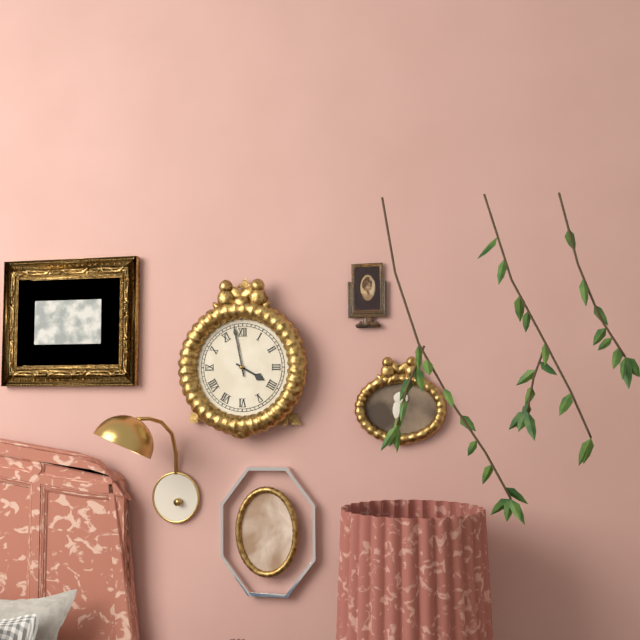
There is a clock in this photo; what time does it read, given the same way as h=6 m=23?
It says h=3 m=58
